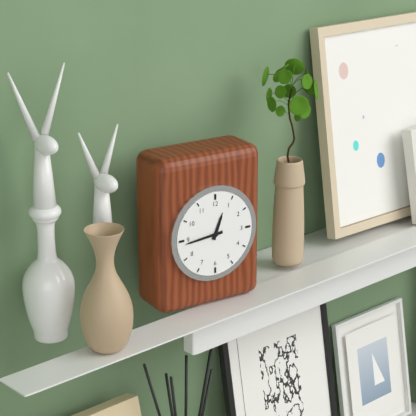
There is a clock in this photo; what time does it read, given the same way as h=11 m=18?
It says h=12 m=44
